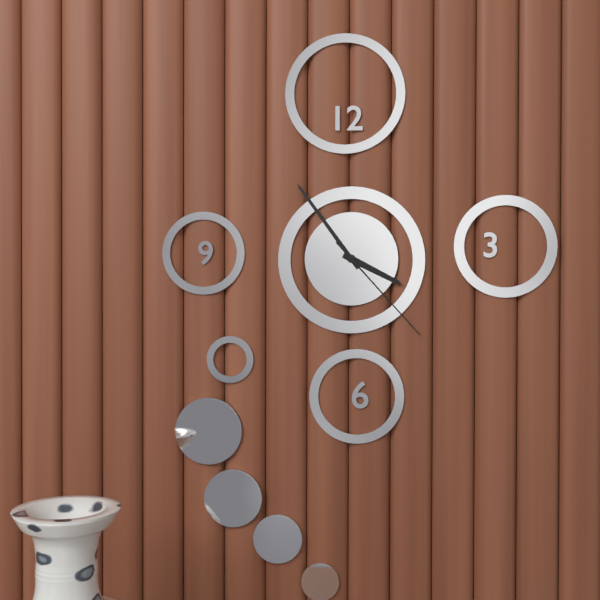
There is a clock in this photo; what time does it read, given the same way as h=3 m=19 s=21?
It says h=3 m=54 s=23
